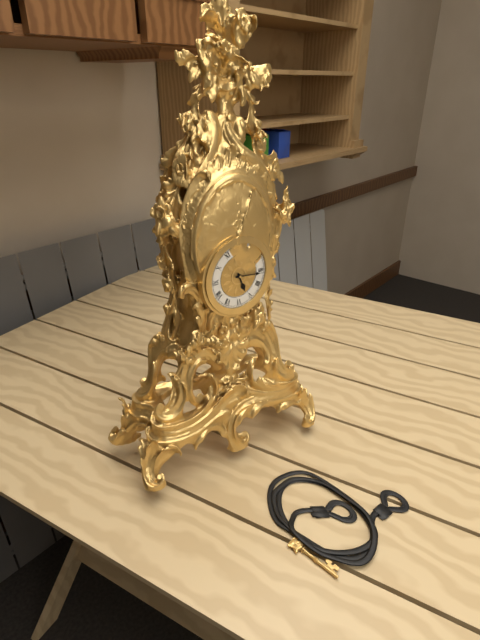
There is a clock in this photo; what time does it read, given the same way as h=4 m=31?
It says h=5 m=16
